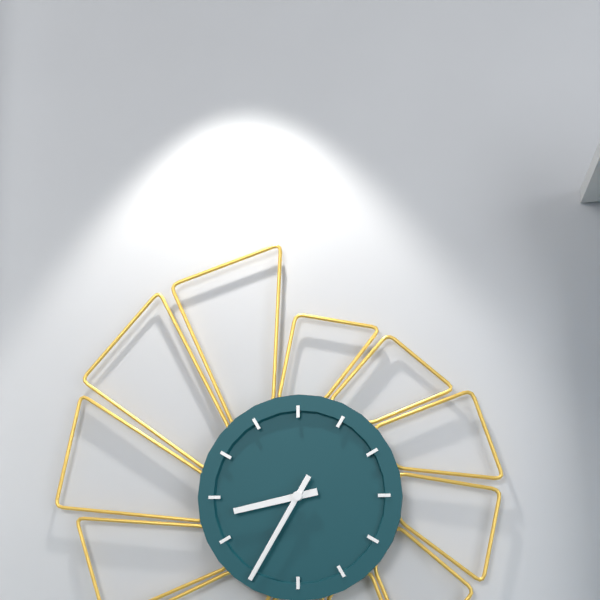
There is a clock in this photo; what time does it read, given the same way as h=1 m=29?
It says h=8 m=35
